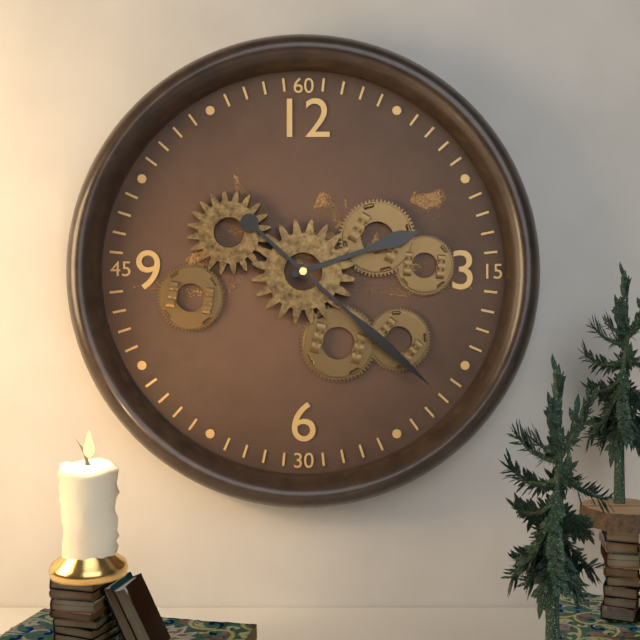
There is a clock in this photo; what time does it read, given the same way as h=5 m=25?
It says h=2 m=22
